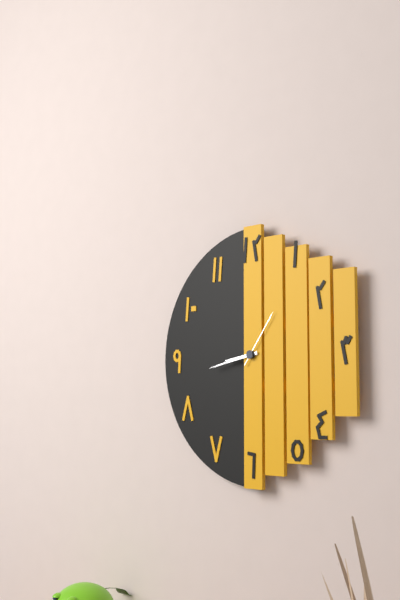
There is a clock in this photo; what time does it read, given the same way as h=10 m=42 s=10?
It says h=8 m=43 s=6
